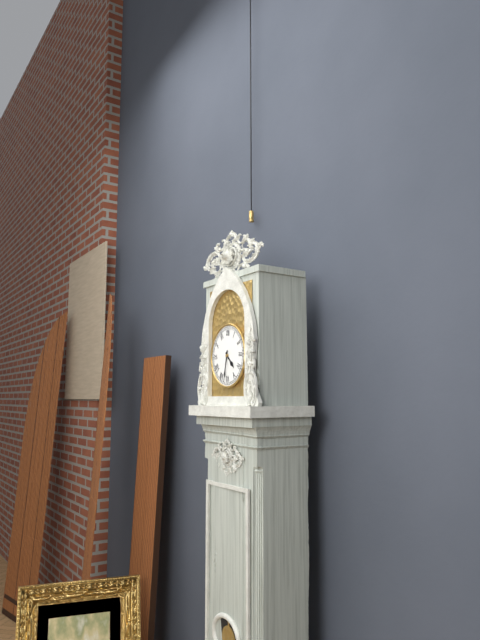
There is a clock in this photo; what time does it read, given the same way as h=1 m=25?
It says h=4 m=32
